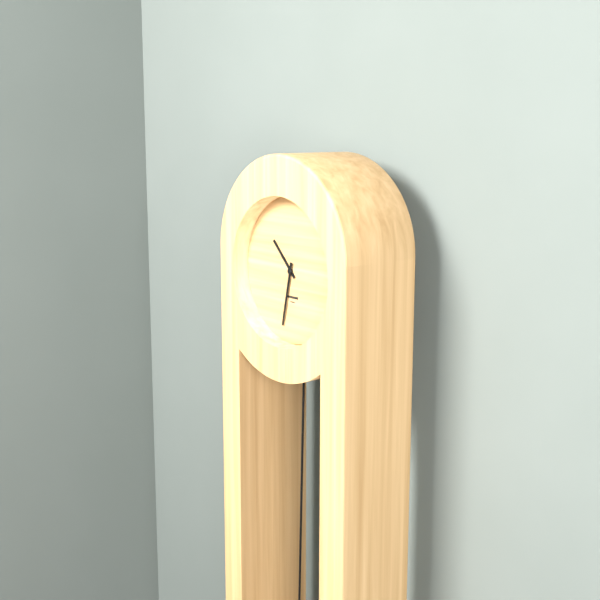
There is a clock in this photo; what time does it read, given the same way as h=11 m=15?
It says h=10 m=32
